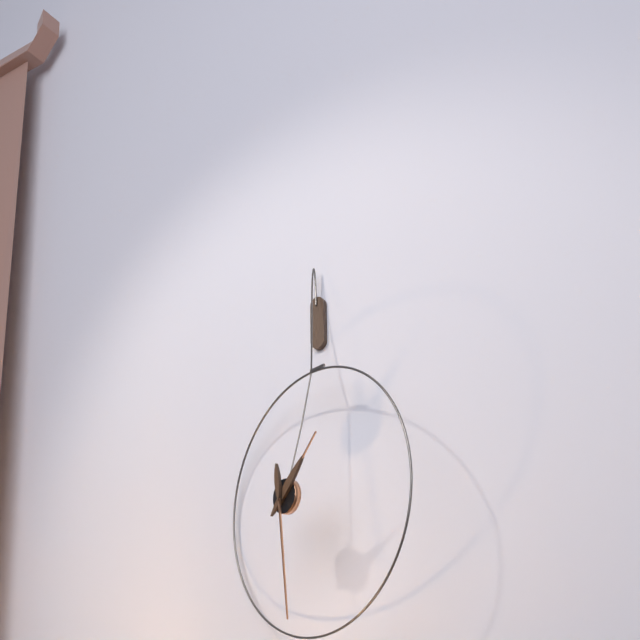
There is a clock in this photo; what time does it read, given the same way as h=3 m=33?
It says h=1 m=29
